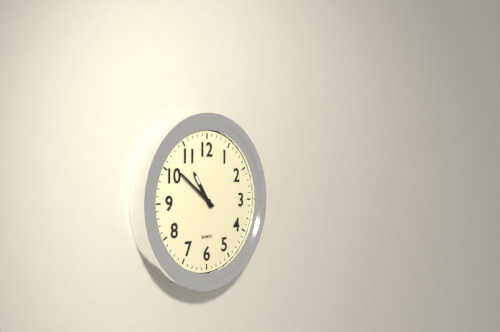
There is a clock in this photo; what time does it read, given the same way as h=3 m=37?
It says h=10 m=51
